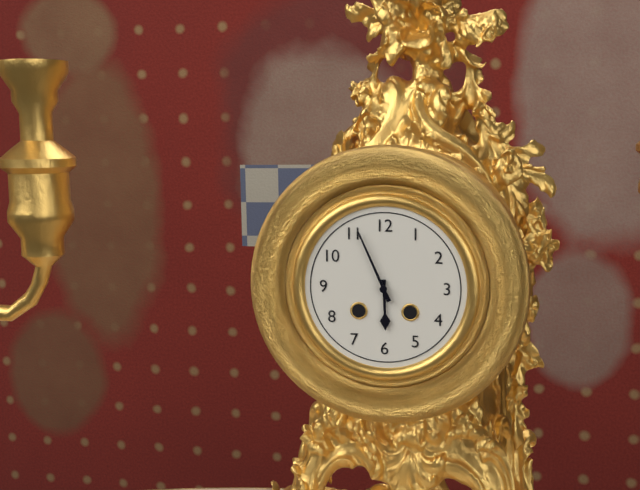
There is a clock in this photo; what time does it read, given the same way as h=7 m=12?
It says h=5 m=56
